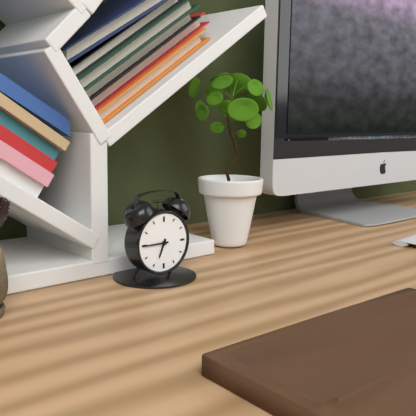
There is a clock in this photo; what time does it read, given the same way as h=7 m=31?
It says h=6 m=45
